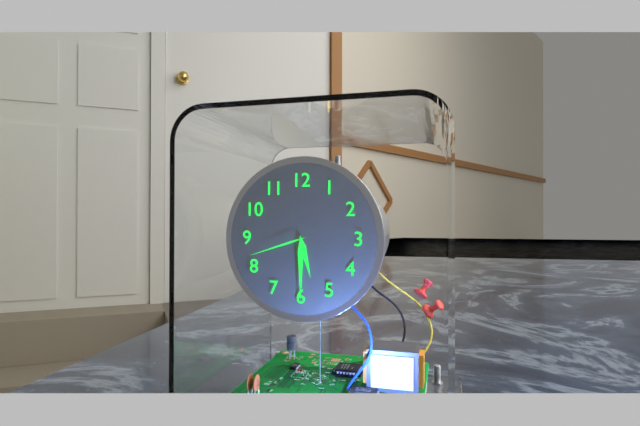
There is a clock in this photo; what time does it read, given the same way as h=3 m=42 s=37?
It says h=5 m=30 s=42
